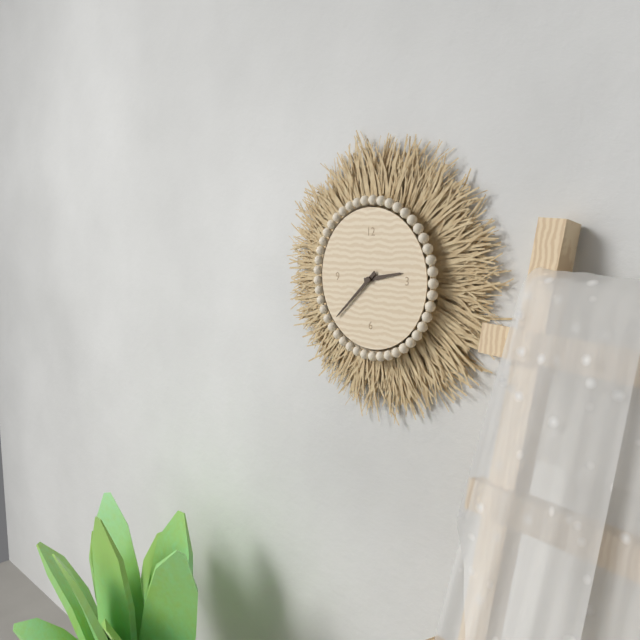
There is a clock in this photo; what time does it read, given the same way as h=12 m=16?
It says h=2 m=38
